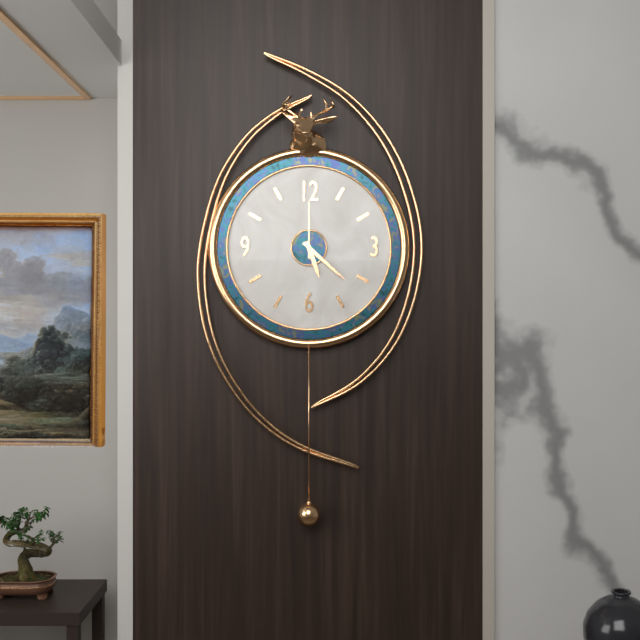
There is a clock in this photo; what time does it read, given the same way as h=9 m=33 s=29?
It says h=5 m=22 s=0
